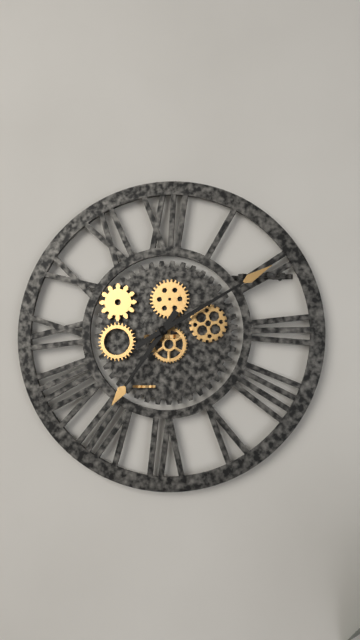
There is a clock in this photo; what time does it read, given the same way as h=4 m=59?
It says h=7 m=10
